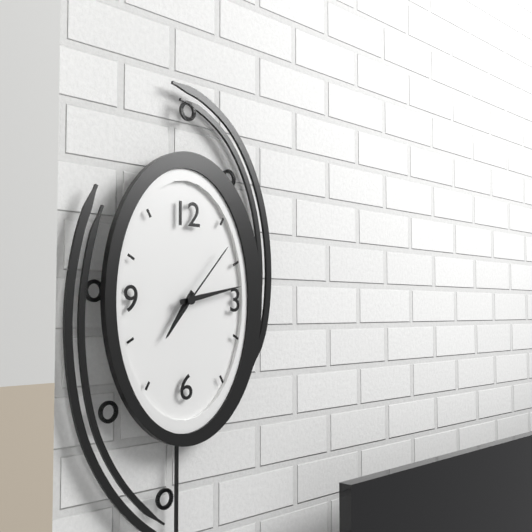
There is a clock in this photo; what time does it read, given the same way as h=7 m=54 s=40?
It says h=7 m=13 s=7
